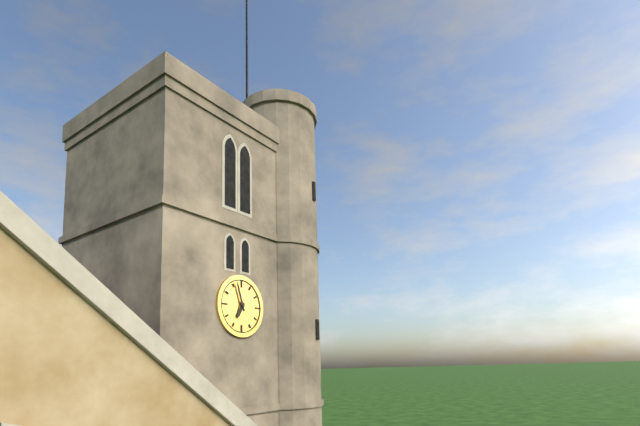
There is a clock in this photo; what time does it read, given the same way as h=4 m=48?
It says h=6 m=57
